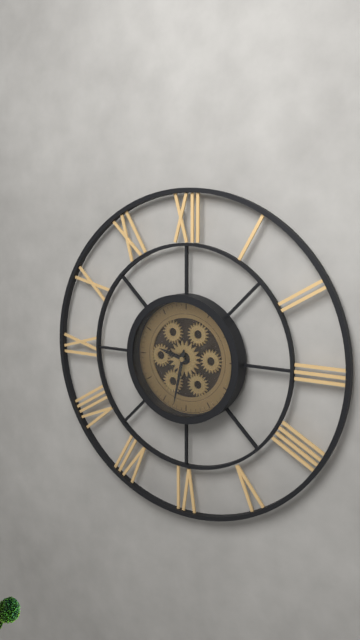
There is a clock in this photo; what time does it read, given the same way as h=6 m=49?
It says h=9 m=32
